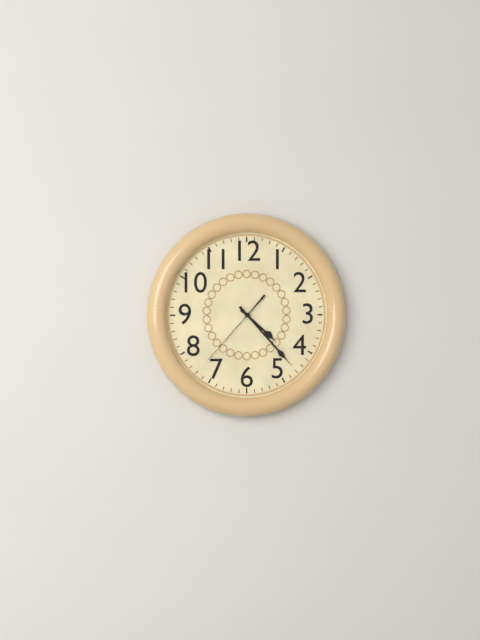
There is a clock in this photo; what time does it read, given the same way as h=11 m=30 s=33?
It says h=4 m=23 s=37
